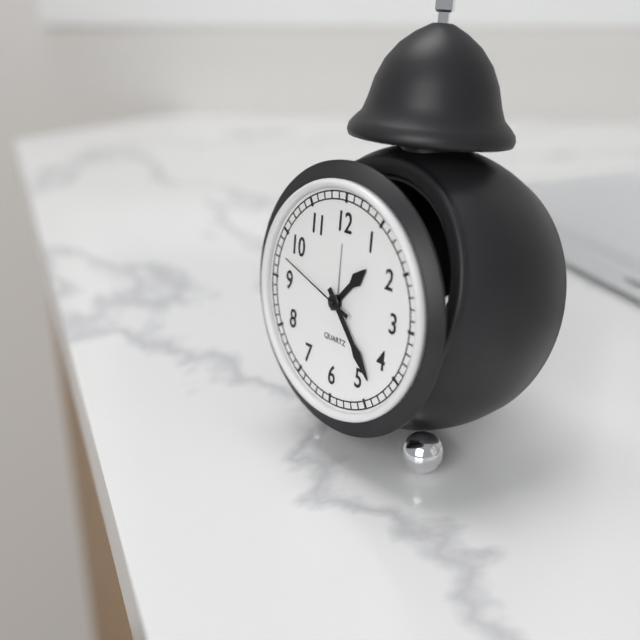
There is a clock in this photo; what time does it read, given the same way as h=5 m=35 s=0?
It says h=1 m=23 s=48
